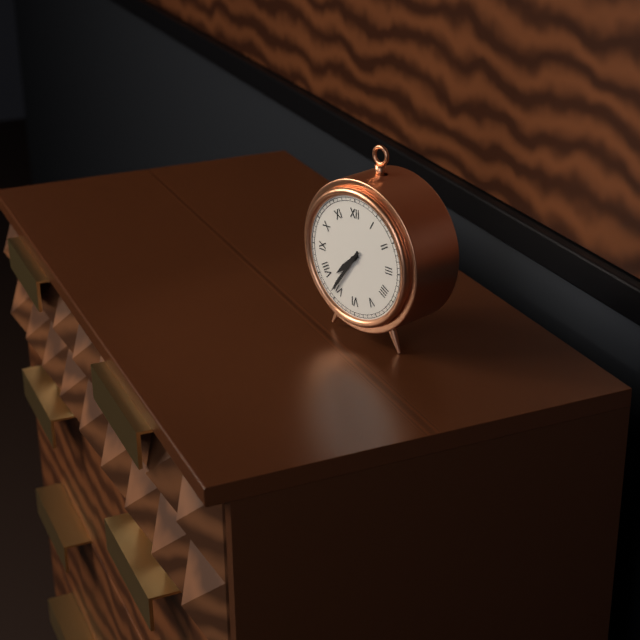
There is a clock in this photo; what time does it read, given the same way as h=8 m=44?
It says h=7 m=36
